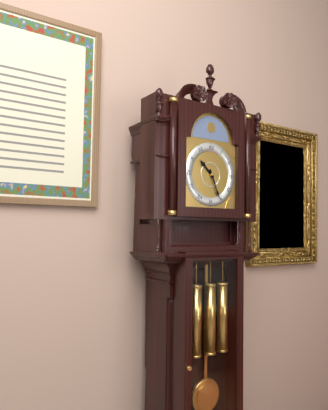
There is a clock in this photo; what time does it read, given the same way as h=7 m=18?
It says h=10 m=26
